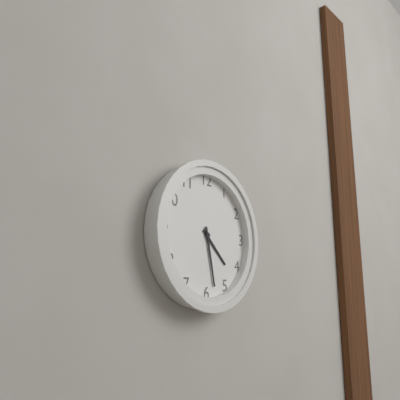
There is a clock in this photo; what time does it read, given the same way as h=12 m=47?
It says h=4 m=28
